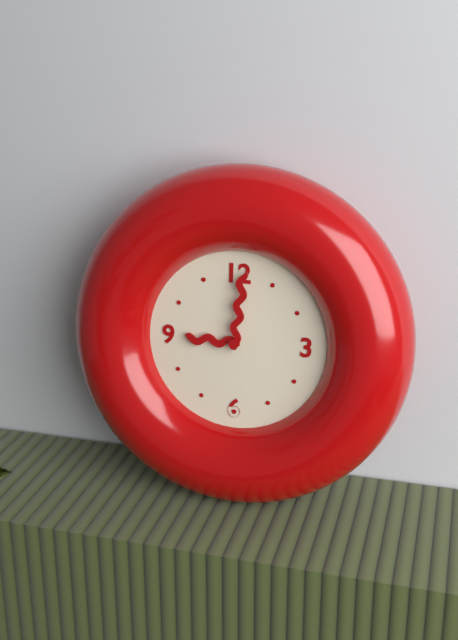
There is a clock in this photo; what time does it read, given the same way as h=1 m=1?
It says h=9 m=1
